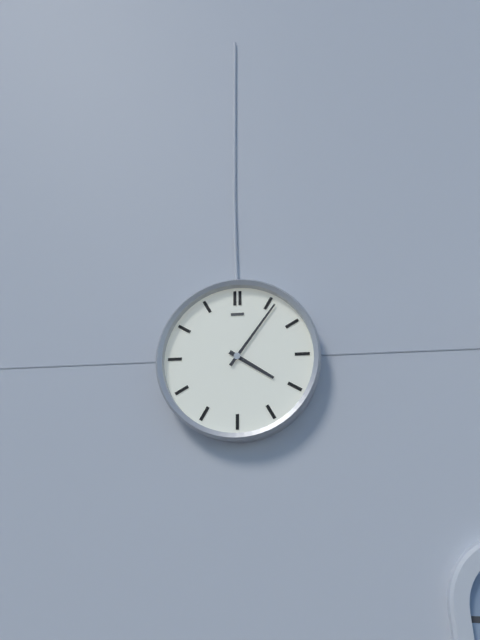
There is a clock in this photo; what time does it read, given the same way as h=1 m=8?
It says h=4 m=6
